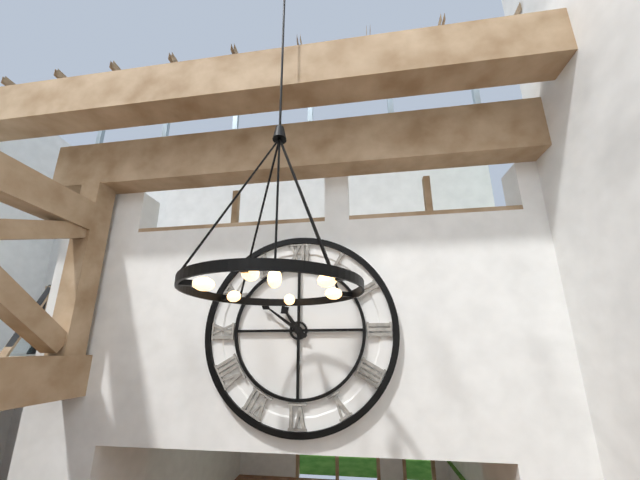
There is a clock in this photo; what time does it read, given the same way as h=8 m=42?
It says h=10 m=51
